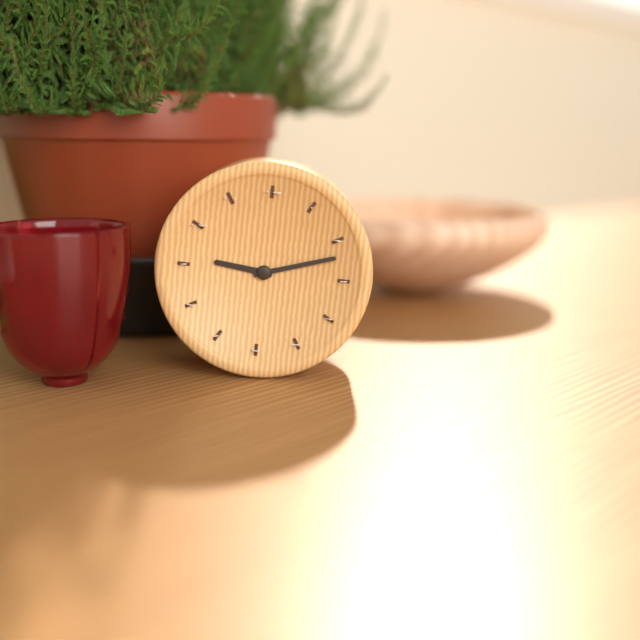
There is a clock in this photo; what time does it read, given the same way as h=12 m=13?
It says h=9 m=12
